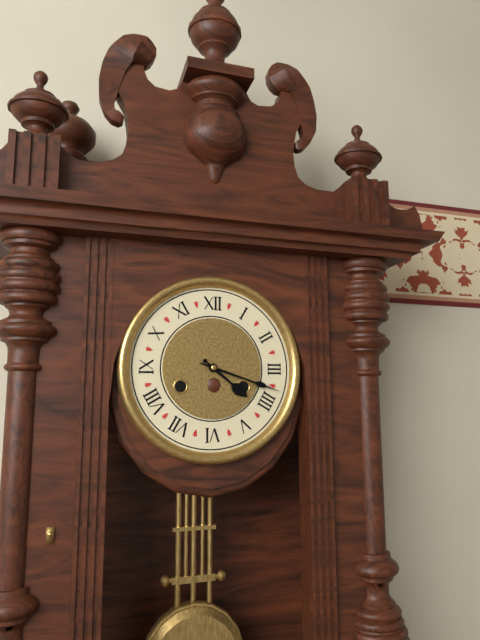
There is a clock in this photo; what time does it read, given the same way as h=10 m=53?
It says h=4 m=18
